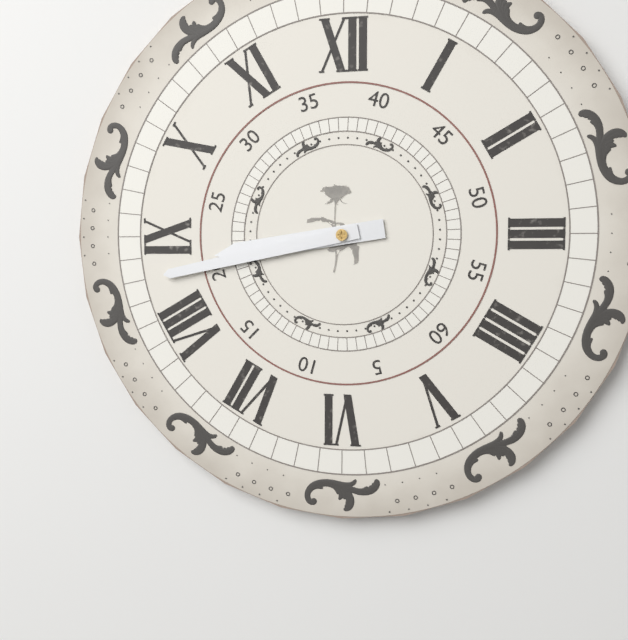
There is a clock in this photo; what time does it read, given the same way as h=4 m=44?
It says h=8 m=43
